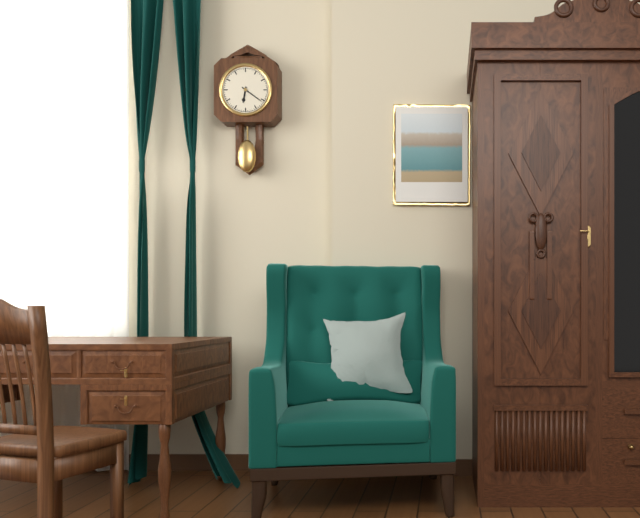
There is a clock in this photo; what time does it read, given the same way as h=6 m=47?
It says h=6 m=21
